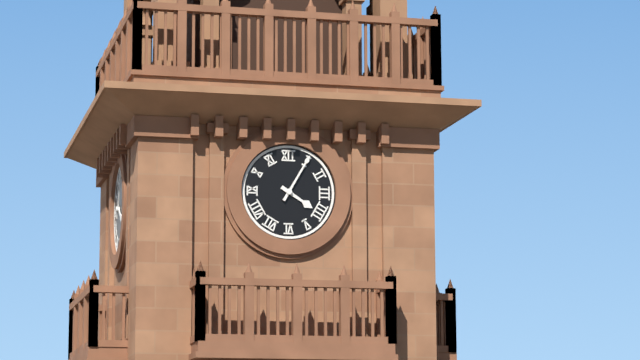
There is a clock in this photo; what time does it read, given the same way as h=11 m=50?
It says h=4 m=5
